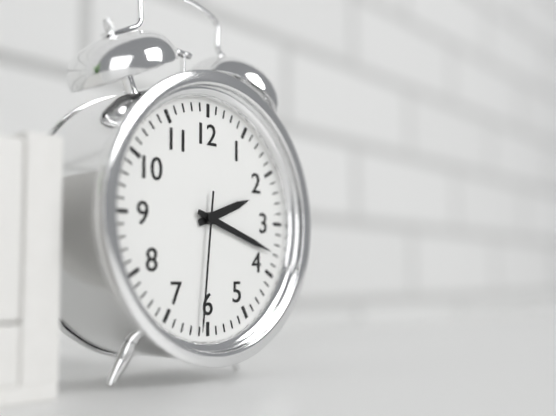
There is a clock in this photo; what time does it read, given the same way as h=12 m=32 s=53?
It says h=2 m=18 s=31
